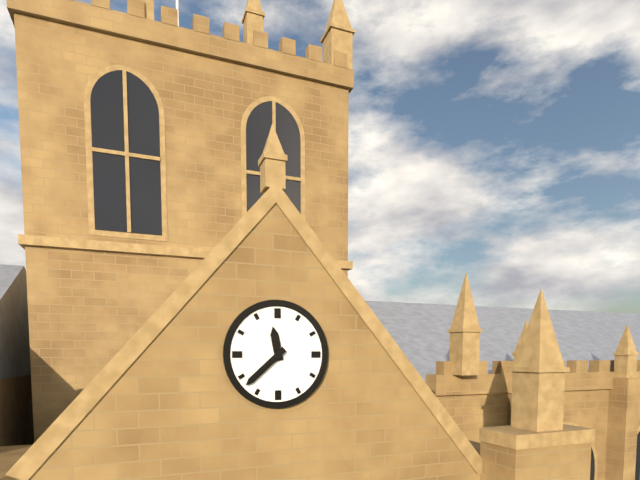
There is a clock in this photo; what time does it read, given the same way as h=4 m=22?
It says h=11 m=38
